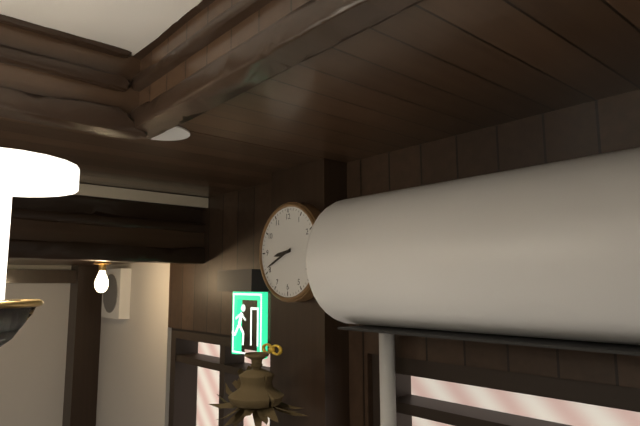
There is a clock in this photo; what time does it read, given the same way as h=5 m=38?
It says h=8 m=41
